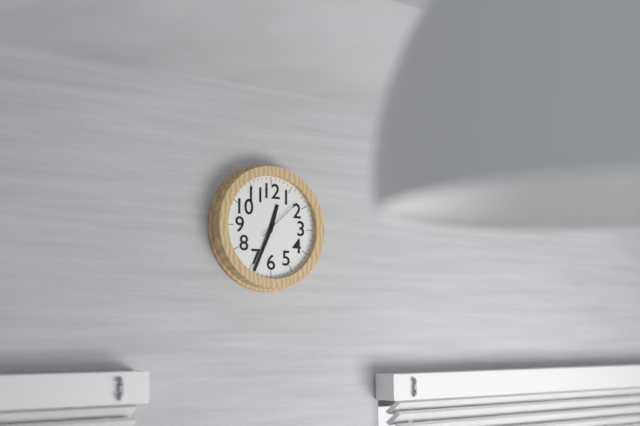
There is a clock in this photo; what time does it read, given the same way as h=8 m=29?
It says h=12 m=34
